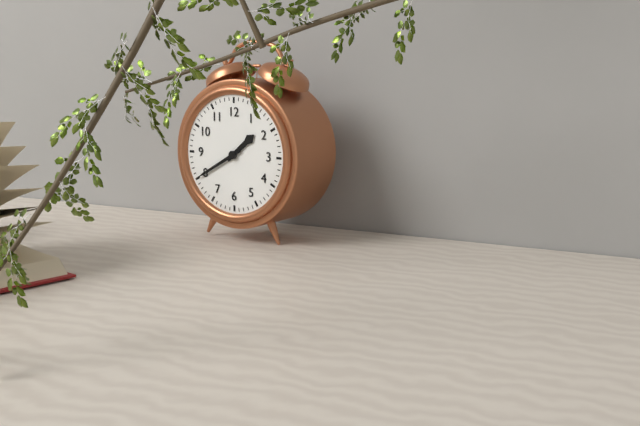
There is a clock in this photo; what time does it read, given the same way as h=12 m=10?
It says h=1 m=40
